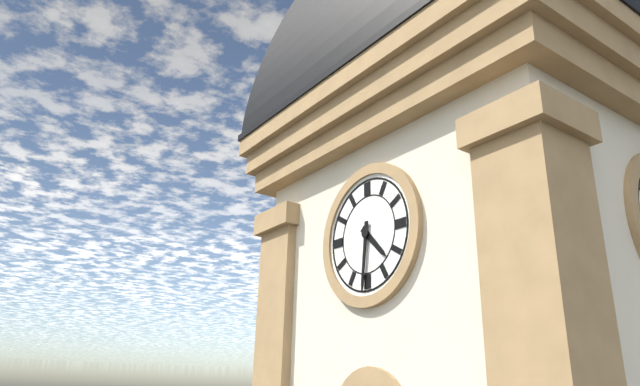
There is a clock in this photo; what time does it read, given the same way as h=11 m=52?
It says h=4 m=31
